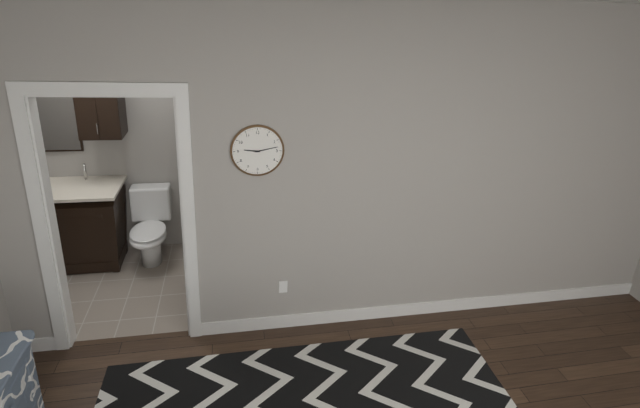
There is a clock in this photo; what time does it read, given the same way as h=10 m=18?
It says h=9 m=13
